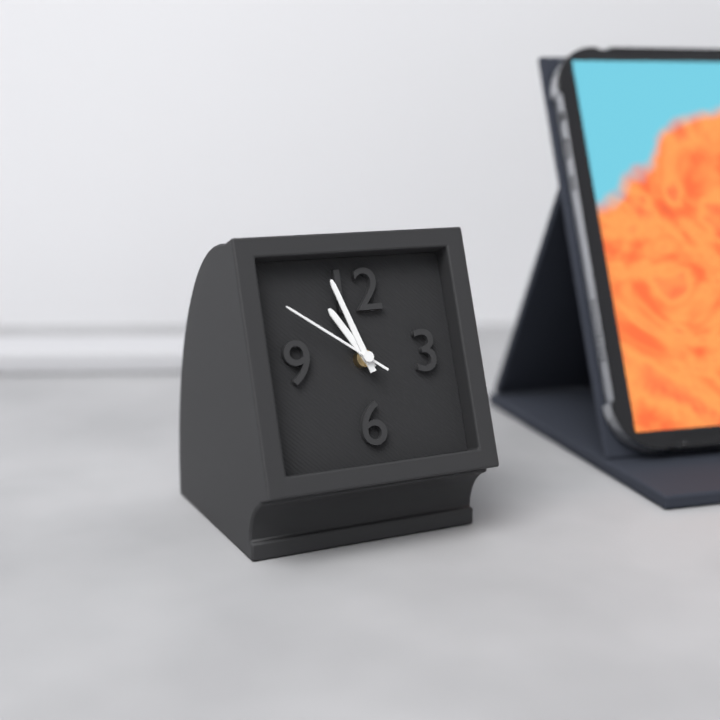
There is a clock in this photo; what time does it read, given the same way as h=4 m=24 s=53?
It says h=10 m=57 s=51
